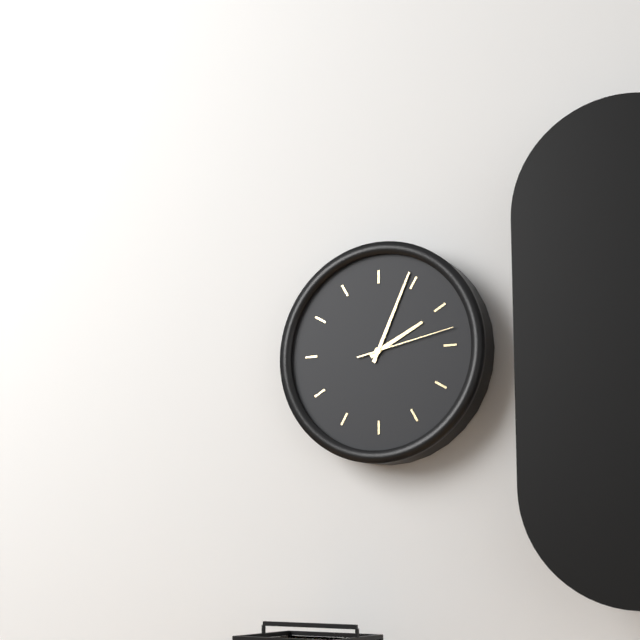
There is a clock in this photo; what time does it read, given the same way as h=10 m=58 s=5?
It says h=2 m=4 s=13
